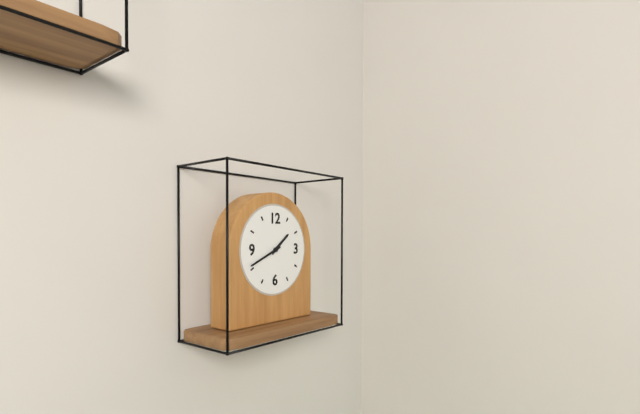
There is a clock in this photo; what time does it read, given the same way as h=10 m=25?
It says h=1 m=41
